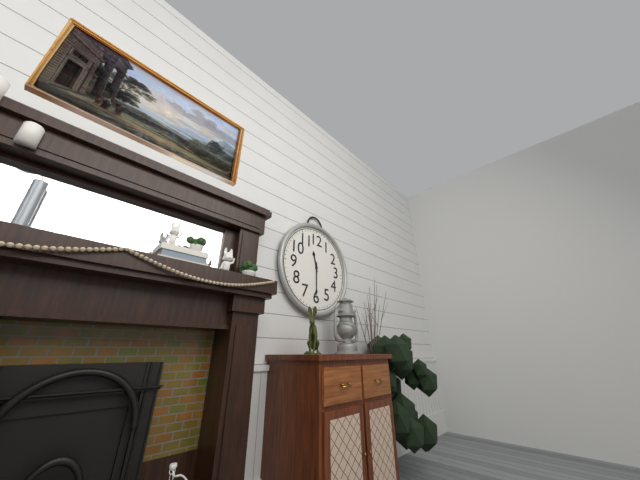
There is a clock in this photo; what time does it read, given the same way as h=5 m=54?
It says h=11 m=30
